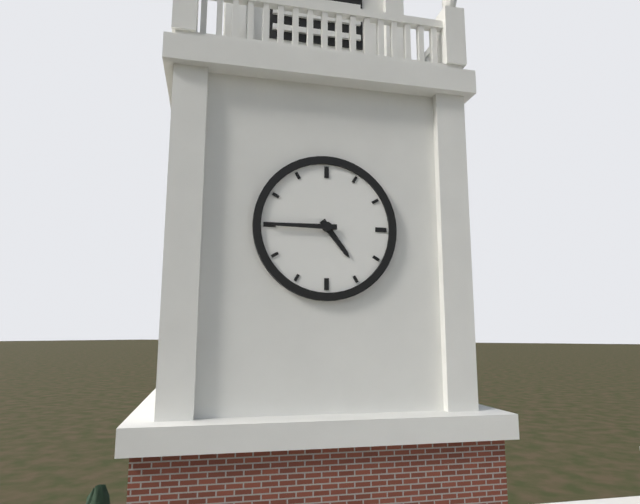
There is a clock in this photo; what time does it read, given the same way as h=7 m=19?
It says h=4 m=45
